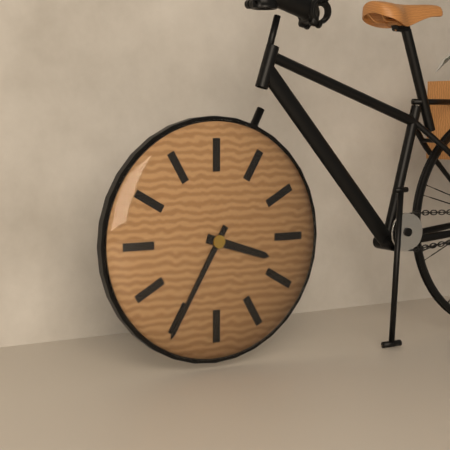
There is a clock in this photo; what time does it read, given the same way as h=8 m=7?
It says h=3 m=35
